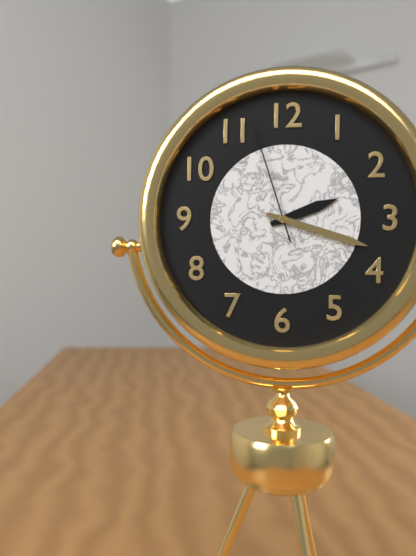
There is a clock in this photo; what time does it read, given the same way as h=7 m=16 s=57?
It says h=2 m=18 s=57
